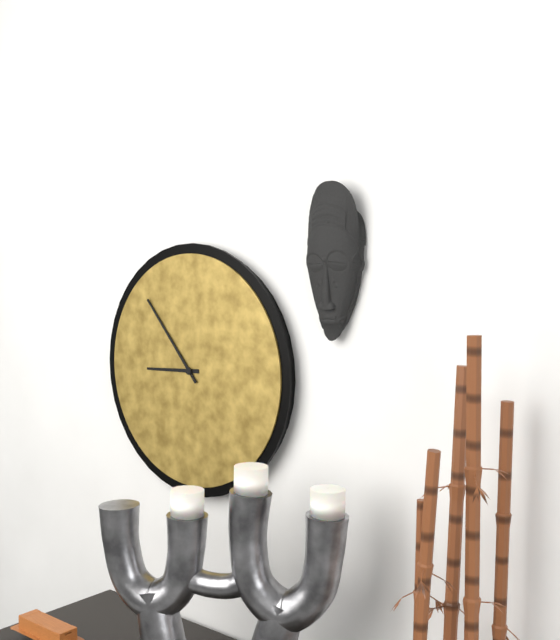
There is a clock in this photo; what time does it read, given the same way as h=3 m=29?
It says h=8 m=53
